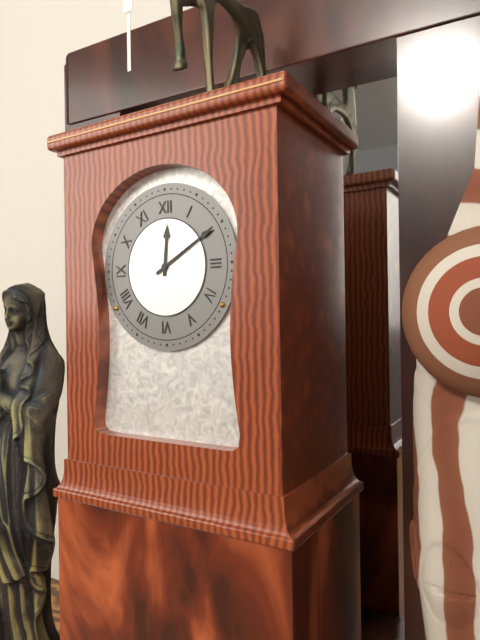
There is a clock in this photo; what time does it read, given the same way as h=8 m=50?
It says h=12 m=10
